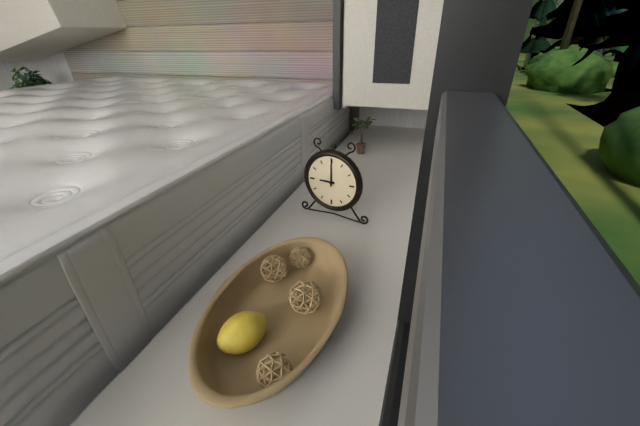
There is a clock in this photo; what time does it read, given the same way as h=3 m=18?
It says h=9 m=0
